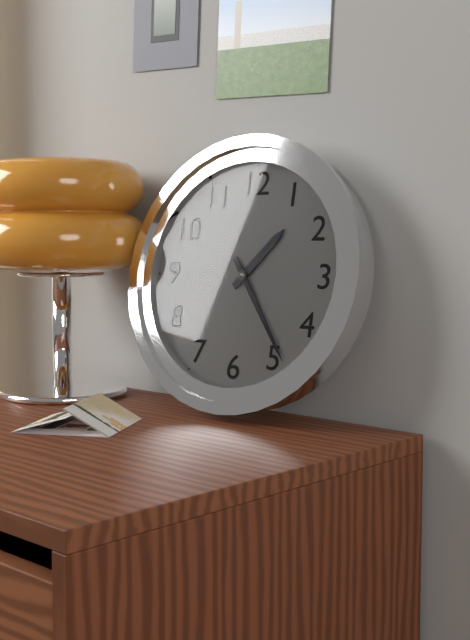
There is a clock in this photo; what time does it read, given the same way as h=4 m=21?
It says h=1 m=24
